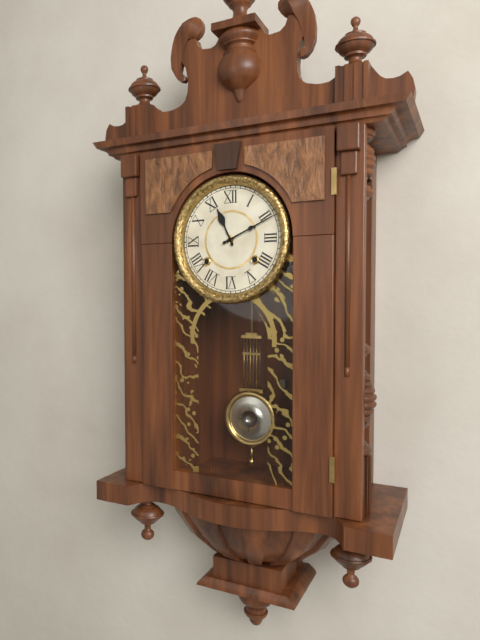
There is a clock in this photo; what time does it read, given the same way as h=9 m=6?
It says h=11 m=11
